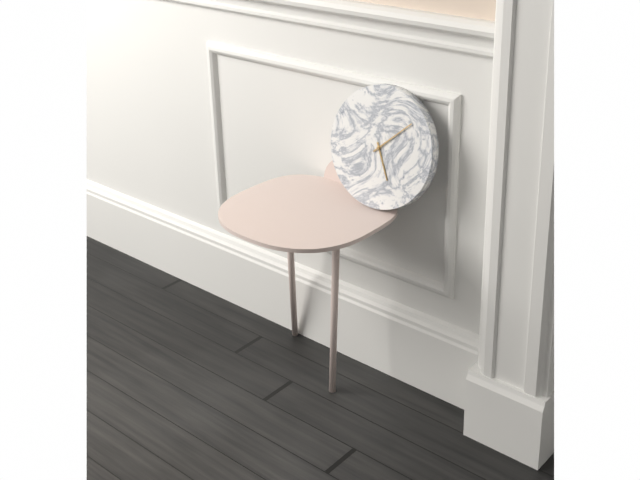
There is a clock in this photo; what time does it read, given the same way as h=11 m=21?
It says h=5 m=8
